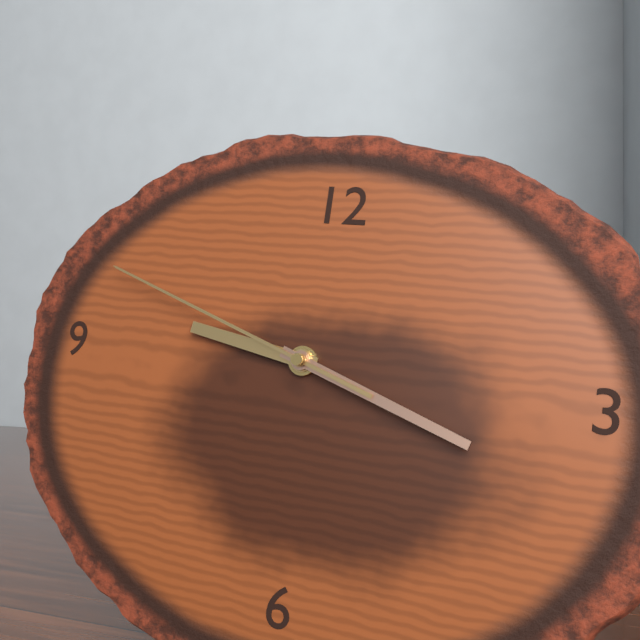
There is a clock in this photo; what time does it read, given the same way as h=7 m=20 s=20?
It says h=9 m=18 s=48
